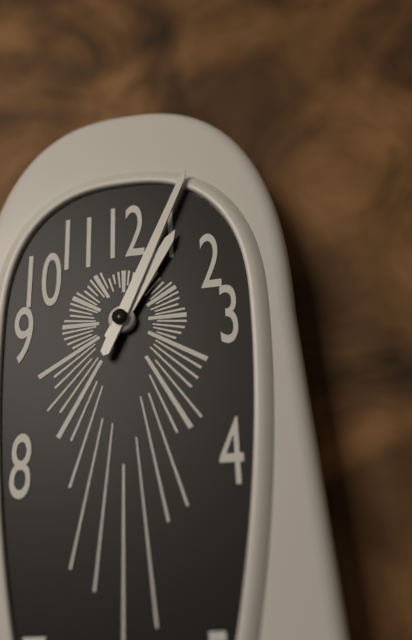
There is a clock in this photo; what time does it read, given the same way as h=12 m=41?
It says h=1 m=4
